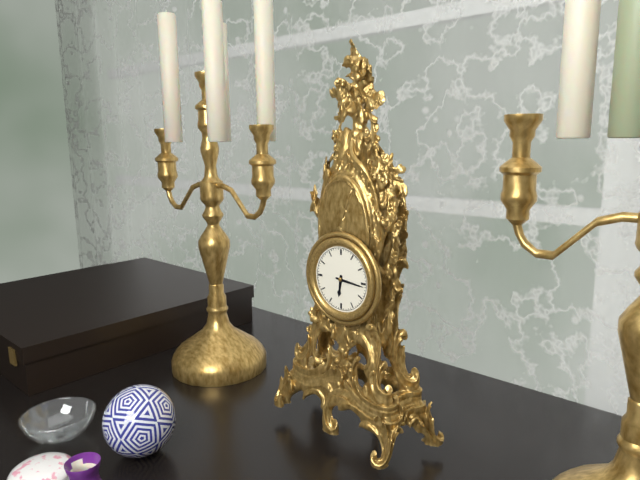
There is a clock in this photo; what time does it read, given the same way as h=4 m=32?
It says h=6 m=16
